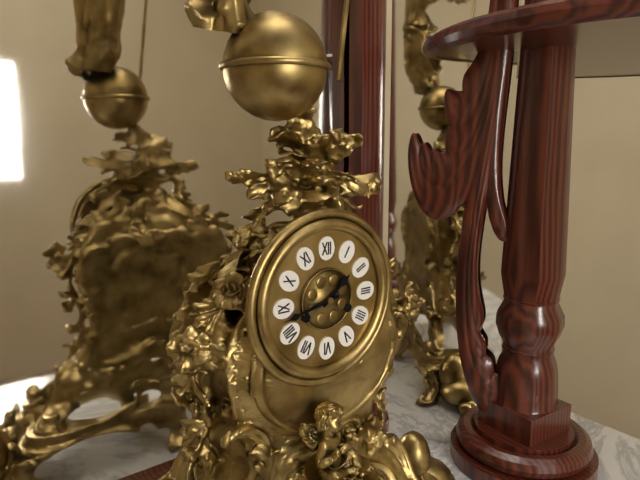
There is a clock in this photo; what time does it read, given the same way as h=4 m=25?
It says h=1 m=43
